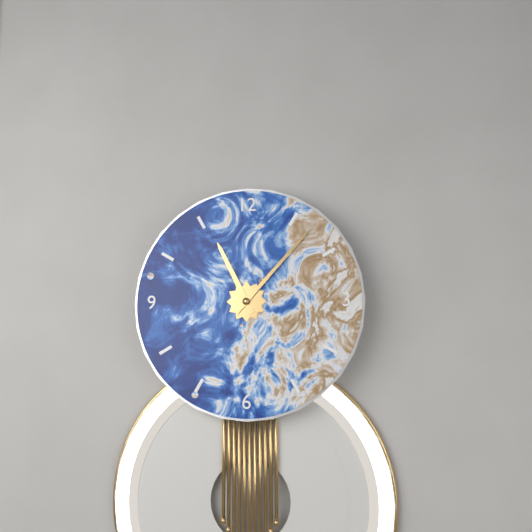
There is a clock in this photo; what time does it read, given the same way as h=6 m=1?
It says h=11 m=7
